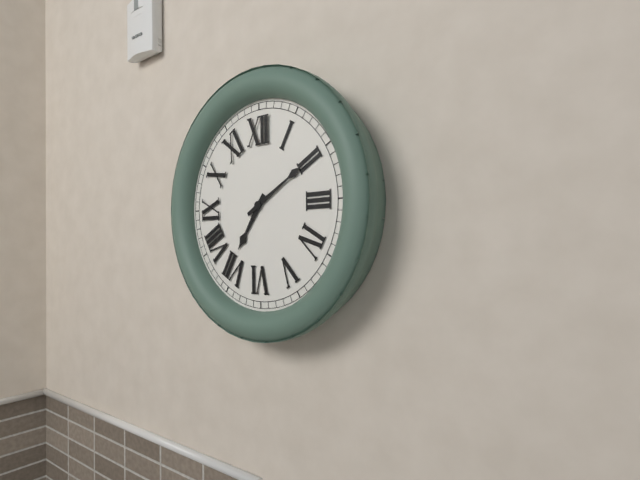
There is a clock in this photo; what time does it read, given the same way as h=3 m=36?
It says h=7 m=10
